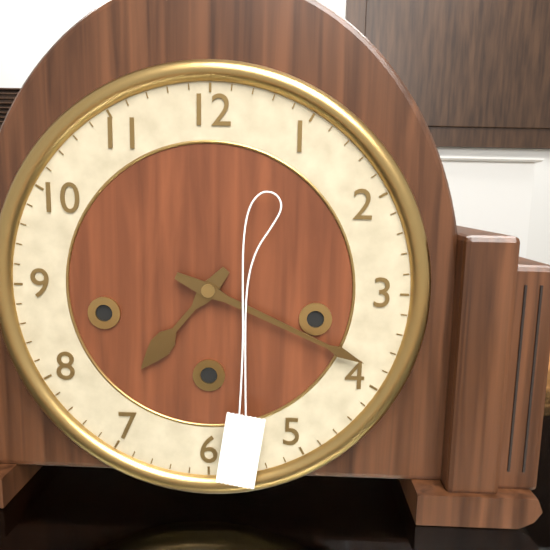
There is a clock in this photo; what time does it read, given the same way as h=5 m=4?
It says h=7 m=19
